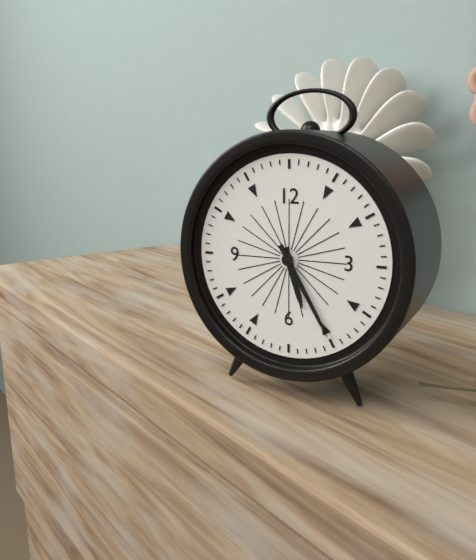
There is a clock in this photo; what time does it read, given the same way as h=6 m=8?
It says h=5 m=25
